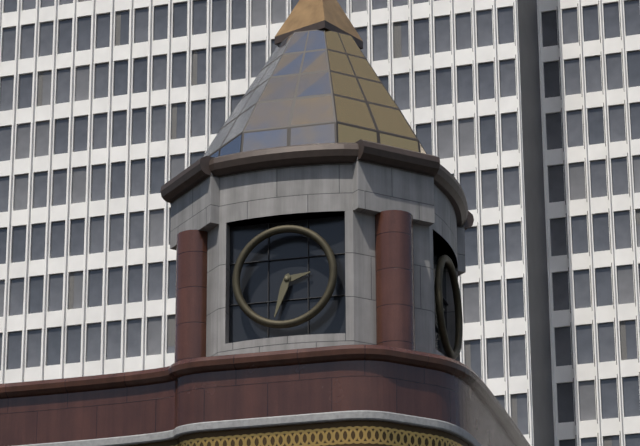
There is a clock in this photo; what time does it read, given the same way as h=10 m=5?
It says h=2 m=33
